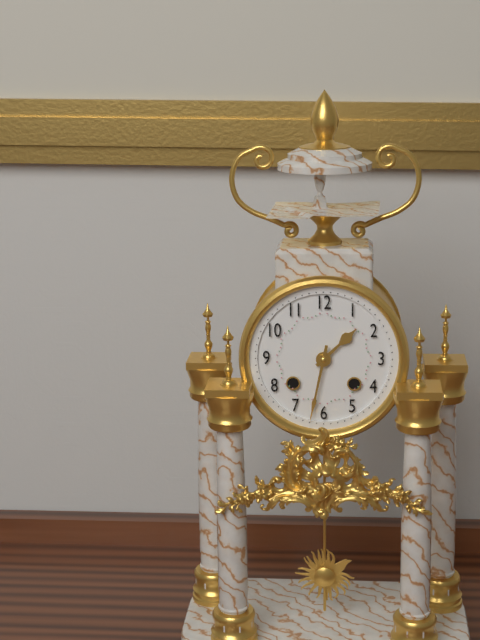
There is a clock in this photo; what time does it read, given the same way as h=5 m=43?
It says h=1 m=32
